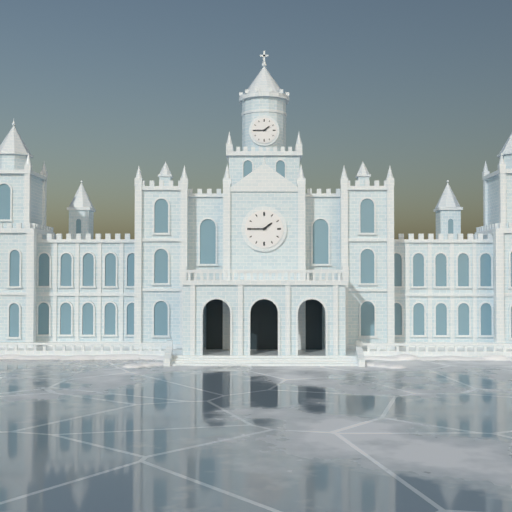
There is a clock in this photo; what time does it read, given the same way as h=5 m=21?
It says h=1 m=45
